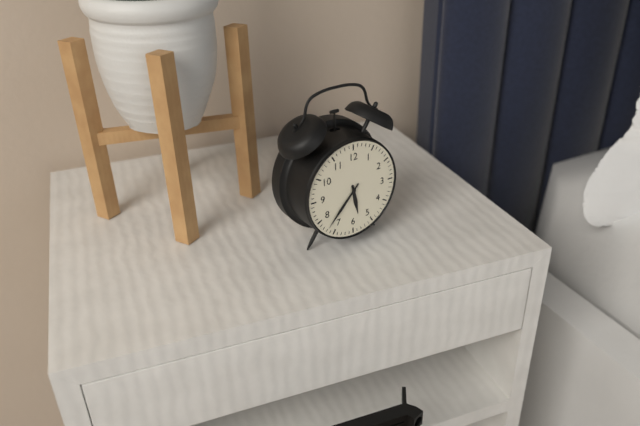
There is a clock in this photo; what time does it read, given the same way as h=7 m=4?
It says h=5 m=37
